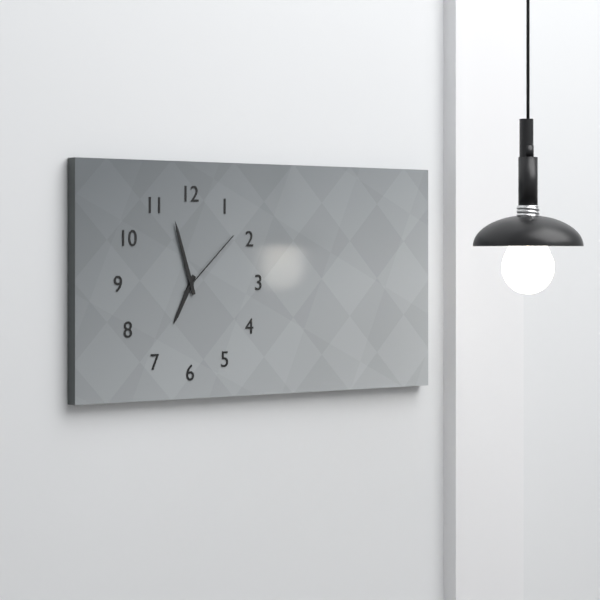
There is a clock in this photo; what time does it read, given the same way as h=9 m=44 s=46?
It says h=6 m=57 s=8
